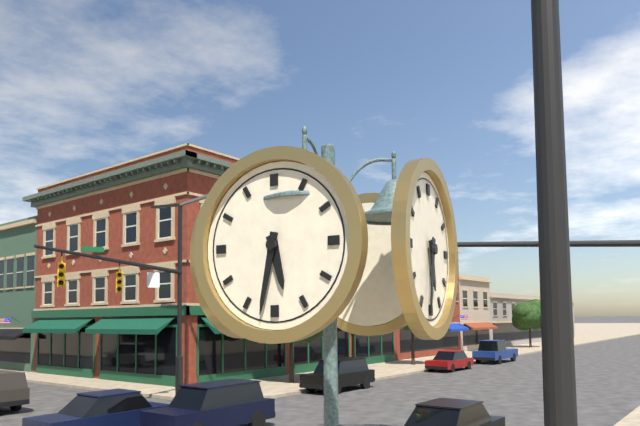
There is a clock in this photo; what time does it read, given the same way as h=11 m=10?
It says h=5 m=32
